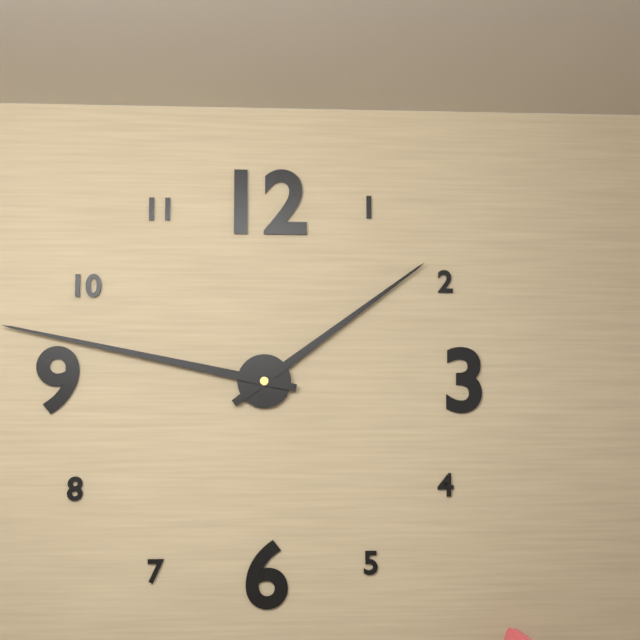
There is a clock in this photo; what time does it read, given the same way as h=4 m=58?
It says h=1 m=47
